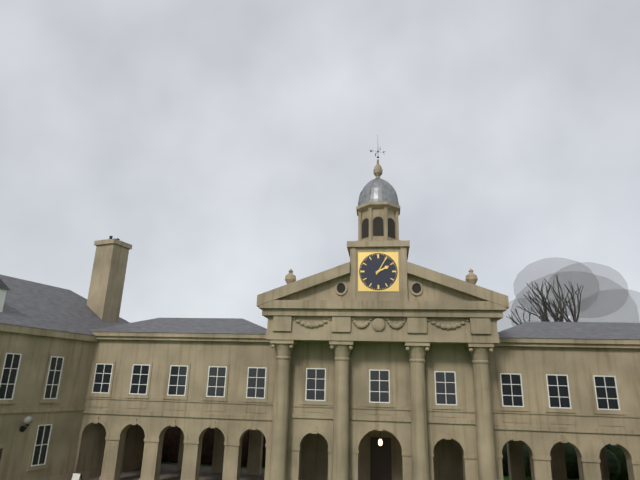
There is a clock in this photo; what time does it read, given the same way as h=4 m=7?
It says h=2 m=5
